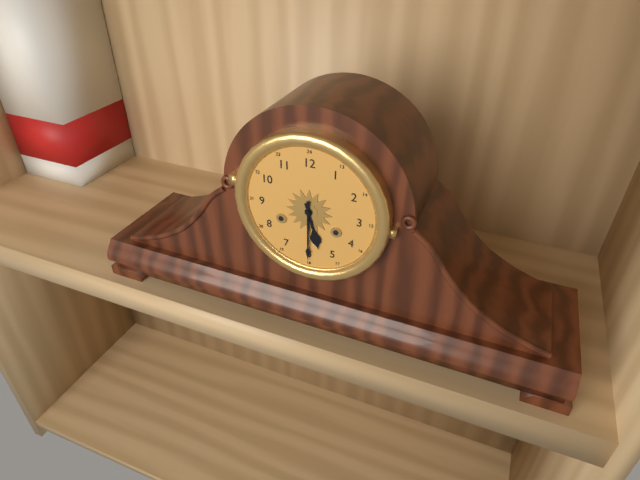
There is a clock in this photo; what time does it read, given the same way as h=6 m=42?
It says h=5 m=30
